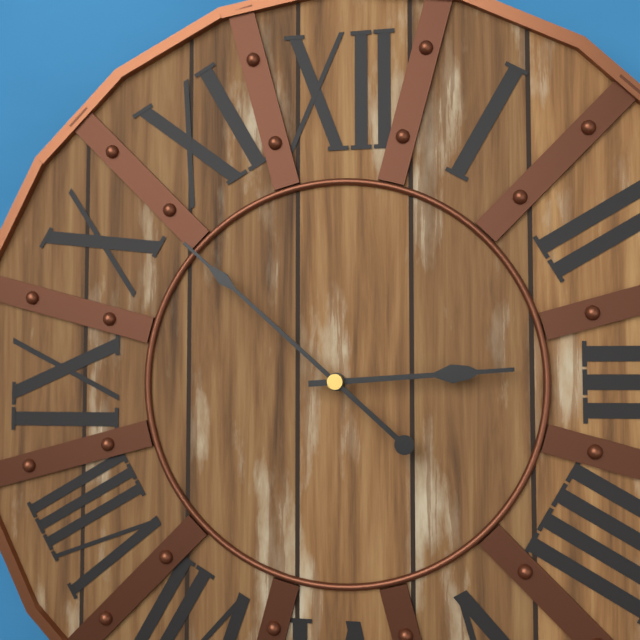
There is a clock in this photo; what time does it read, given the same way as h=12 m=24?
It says h=2 m=52
